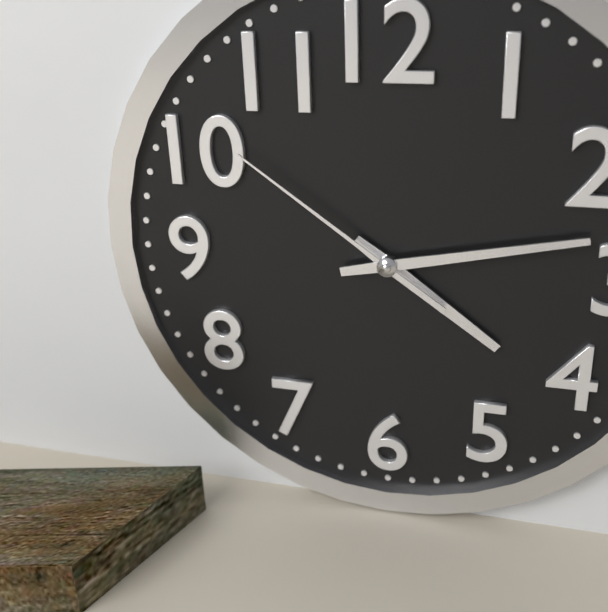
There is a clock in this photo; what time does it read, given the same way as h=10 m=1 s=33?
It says h=4 m=13 s=51
